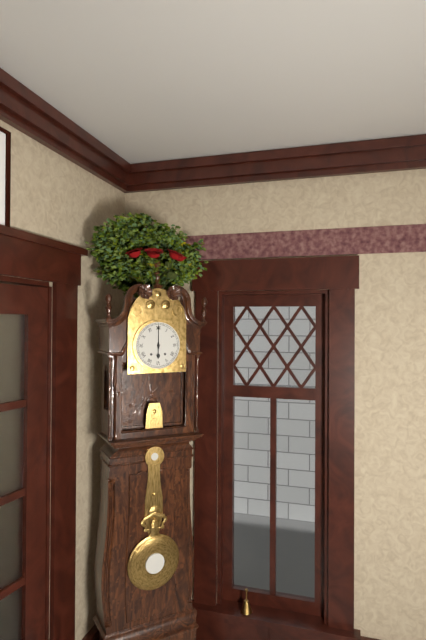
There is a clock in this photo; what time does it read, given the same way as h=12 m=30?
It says h=6 m=0
